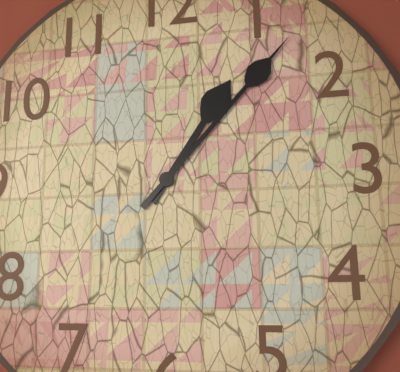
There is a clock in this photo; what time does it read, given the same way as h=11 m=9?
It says h=1 m=7
